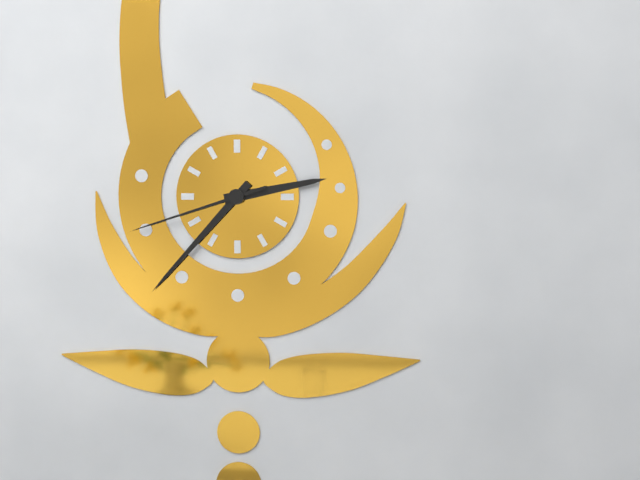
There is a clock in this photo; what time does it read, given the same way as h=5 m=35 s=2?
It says h=2 m=37 s=42
